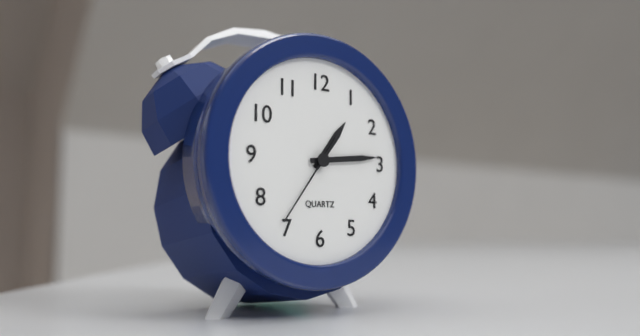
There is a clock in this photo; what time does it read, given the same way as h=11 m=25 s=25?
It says h=1 m=14 s=36
